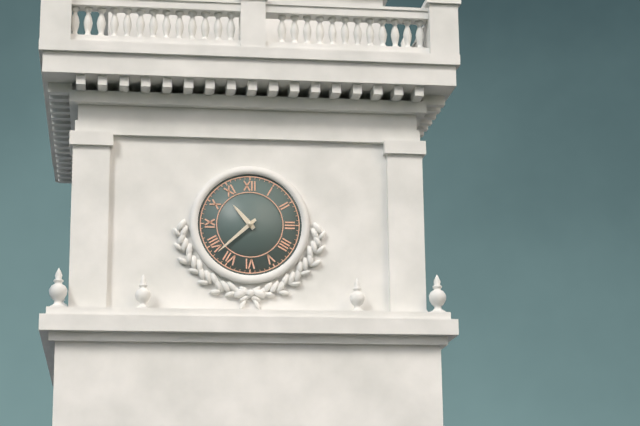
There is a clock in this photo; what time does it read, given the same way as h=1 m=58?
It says h=10 m=38
